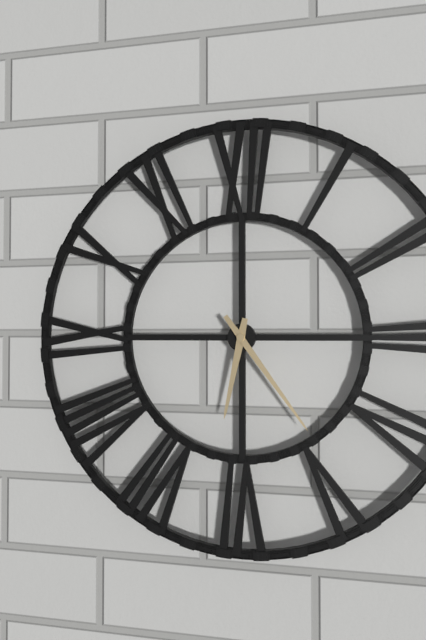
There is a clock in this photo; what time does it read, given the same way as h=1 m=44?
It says h=6 m=24
